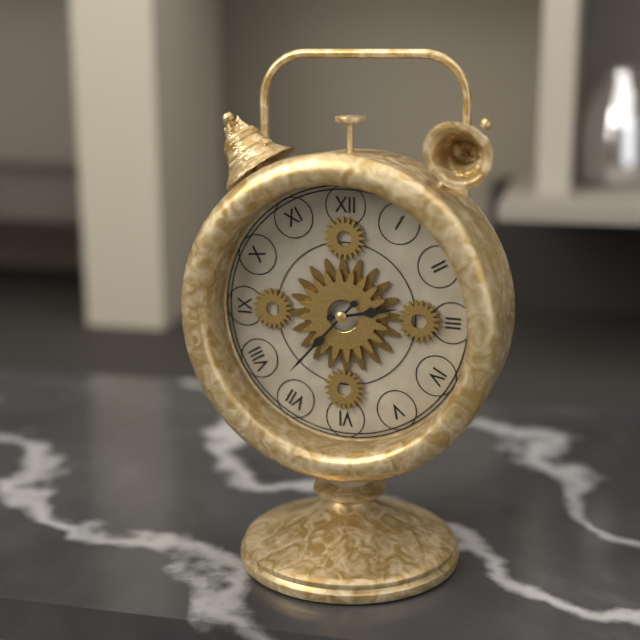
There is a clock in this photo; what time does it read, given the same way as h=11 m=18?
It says h=2 m=37
